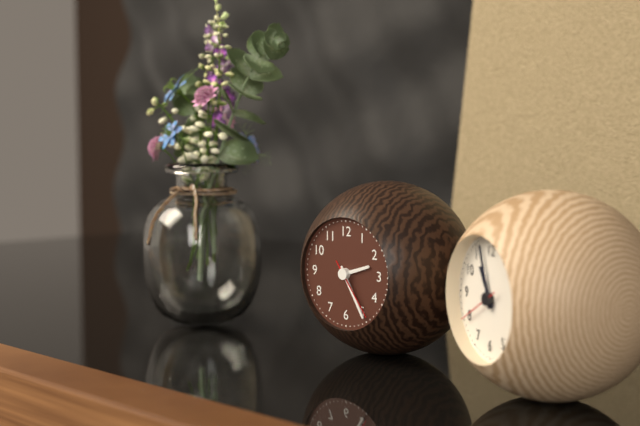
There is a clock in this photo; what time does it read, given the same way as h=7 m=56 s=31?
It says h=2 m=25 s=24
